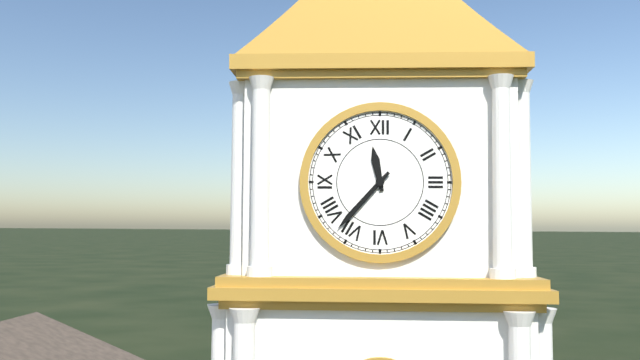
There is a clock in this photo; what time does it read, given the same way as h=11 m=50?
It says h=11 m=37
